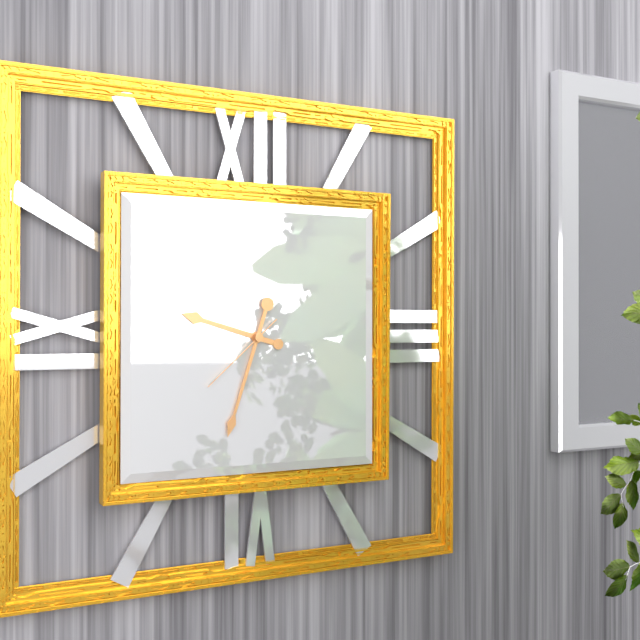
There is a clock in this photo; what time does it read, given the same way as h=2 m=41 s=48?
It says h=9 m=33 s=38
